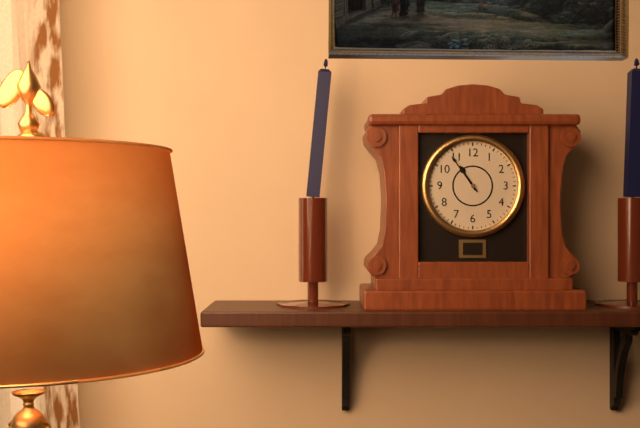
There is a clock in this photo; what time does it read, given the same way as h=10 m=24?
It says h=10 m=54
